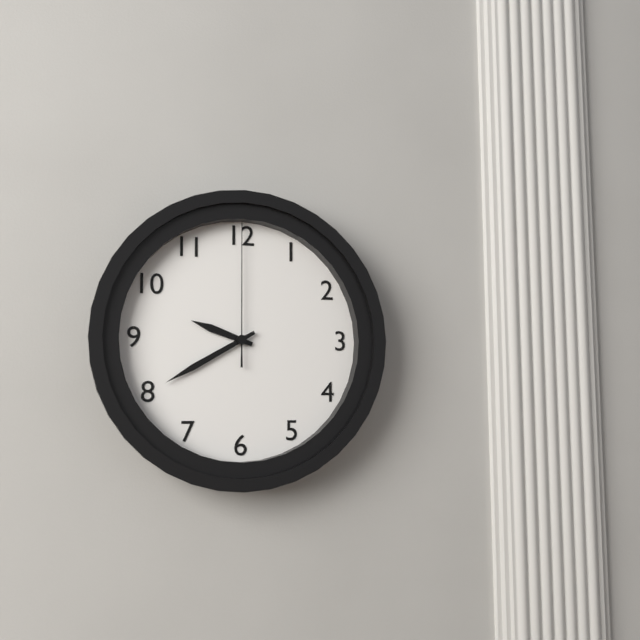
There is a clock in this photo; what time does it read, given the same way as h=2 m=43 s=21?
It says h=9 m=40 s=0
